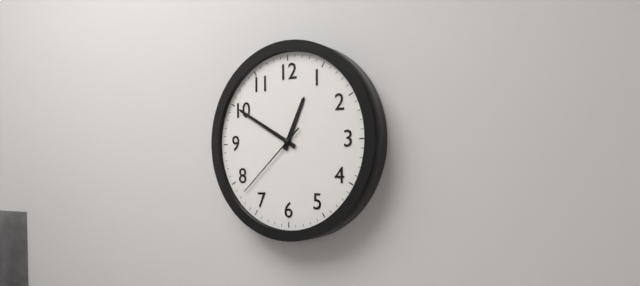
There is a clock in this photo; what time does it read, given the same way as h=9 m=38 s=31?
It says h=12 m=50 s=38
